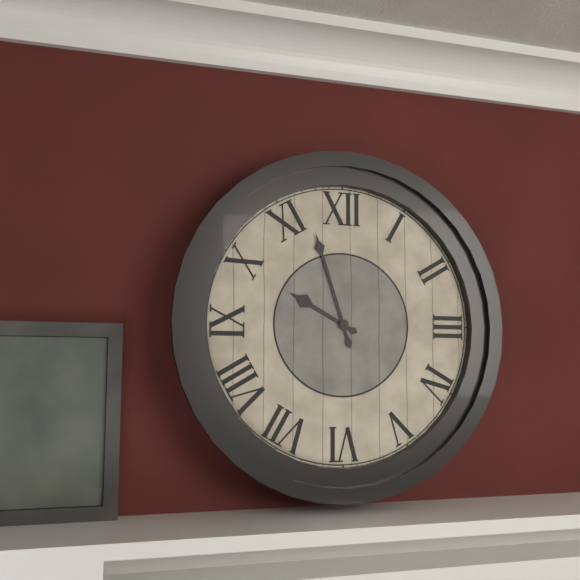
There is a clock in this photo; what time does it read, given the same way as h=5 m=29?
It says h=9 m=57
